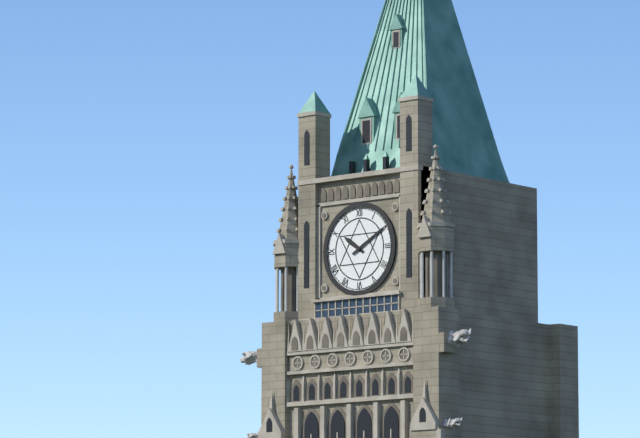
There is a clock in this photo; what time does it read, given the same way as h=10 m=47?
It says h=10 m=10
